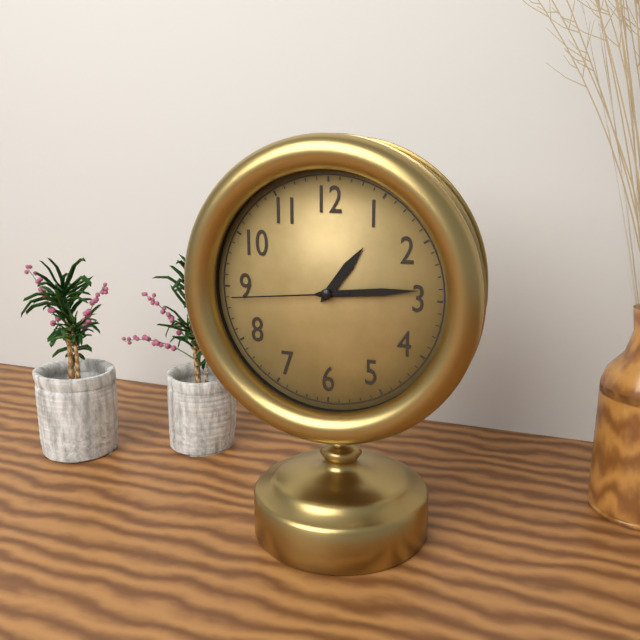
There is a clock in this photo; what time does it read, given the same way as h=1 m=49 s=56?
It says h=1 m=14 s=44
